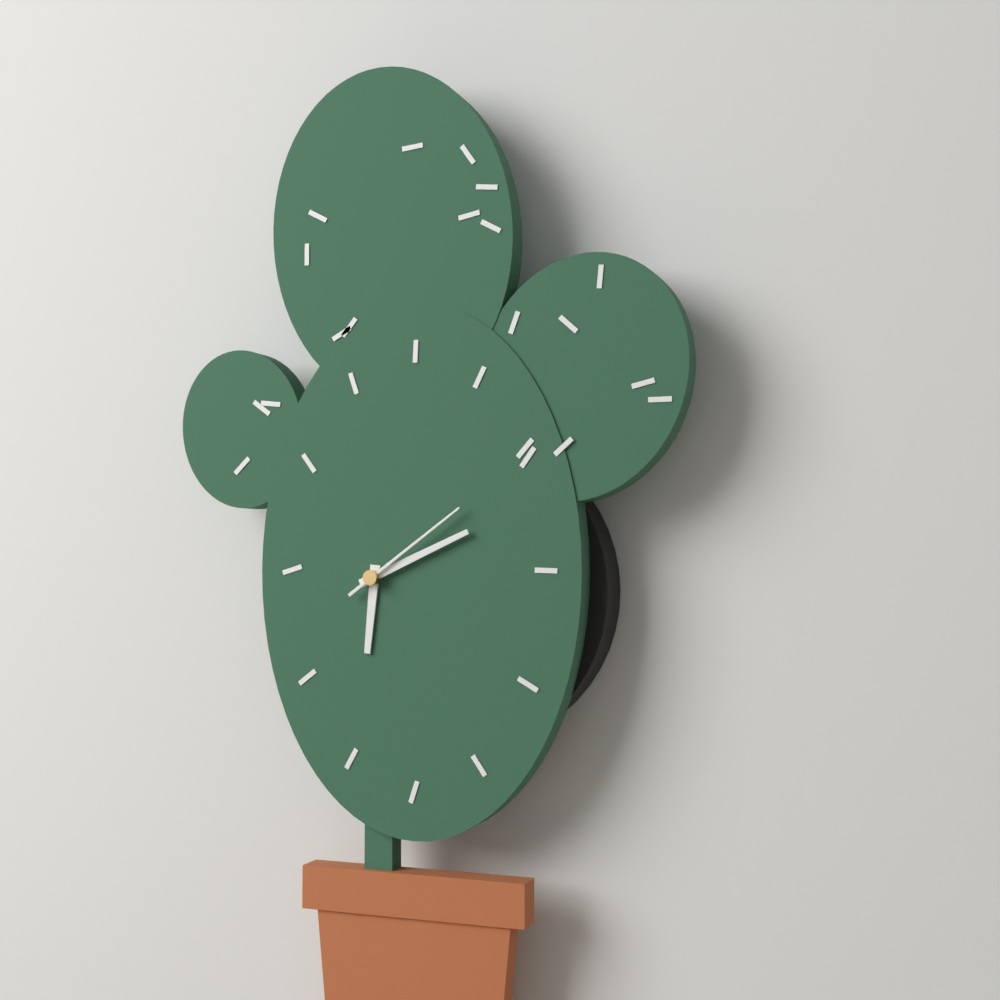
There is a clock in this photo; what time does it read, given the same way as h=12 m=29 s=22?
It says h=6 m=11 s=9
